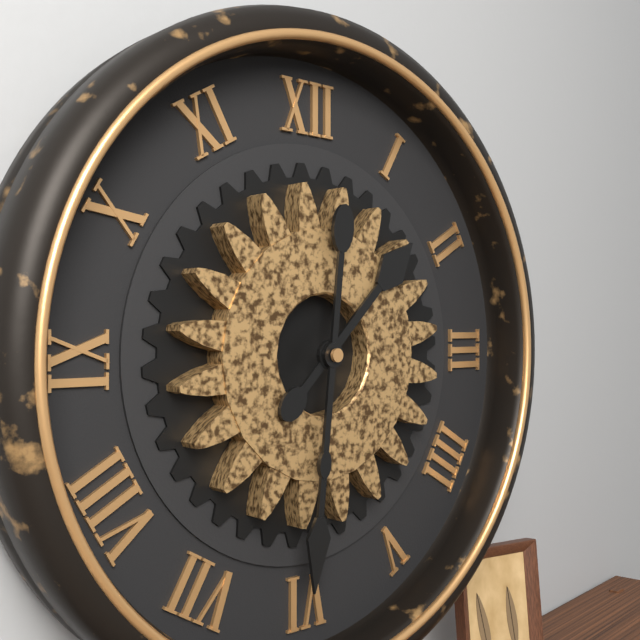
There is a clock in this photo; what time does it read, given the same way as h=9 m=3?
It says h=1 m=31
